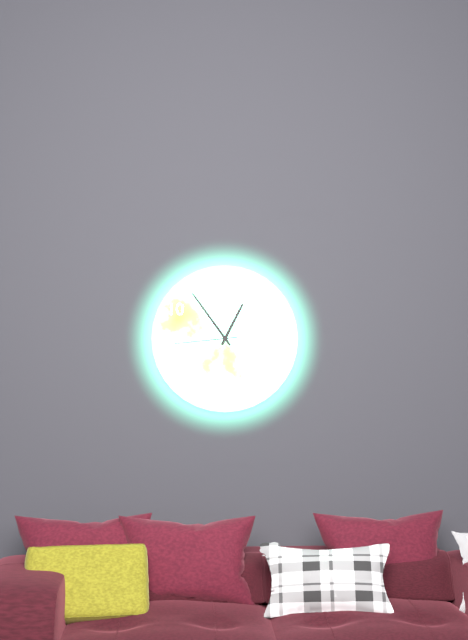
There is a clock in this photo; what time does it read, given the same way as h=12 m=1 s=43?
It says h=12 m=54 s=44
